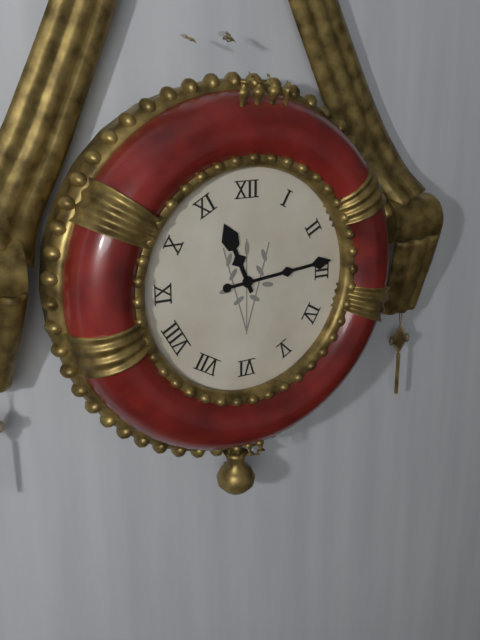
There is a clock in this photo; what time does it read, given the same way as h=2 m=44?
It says h=11 m=14
